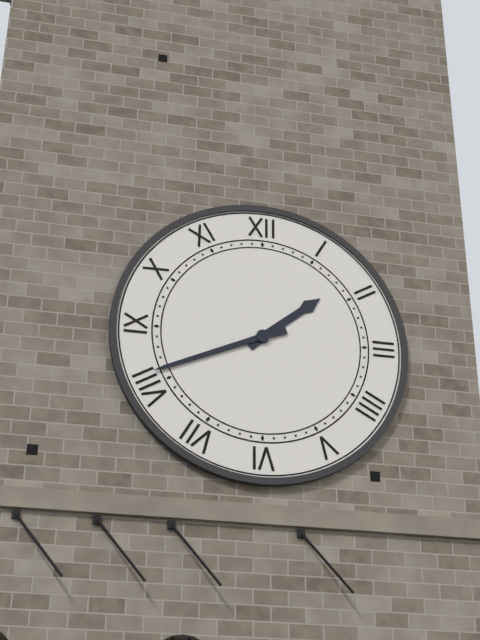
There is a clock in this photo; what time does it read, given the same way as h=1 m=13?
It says h=1 m=41
